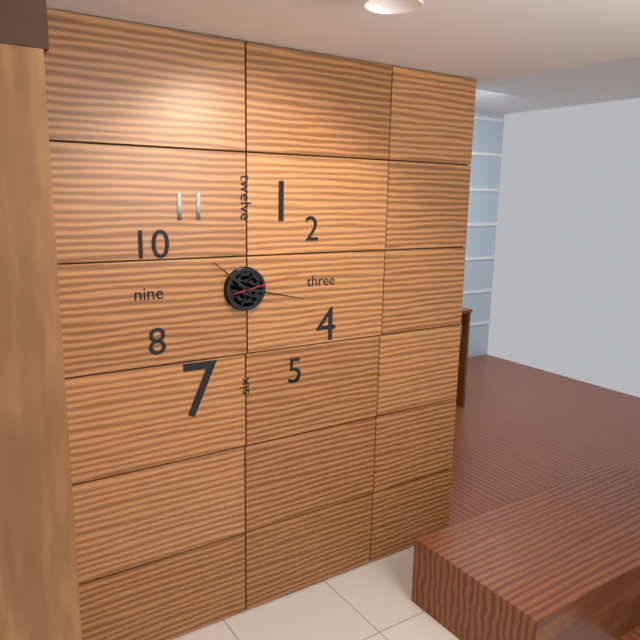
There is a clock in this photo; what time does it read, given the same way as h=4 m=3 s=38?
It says h=10 m=17 s=13
